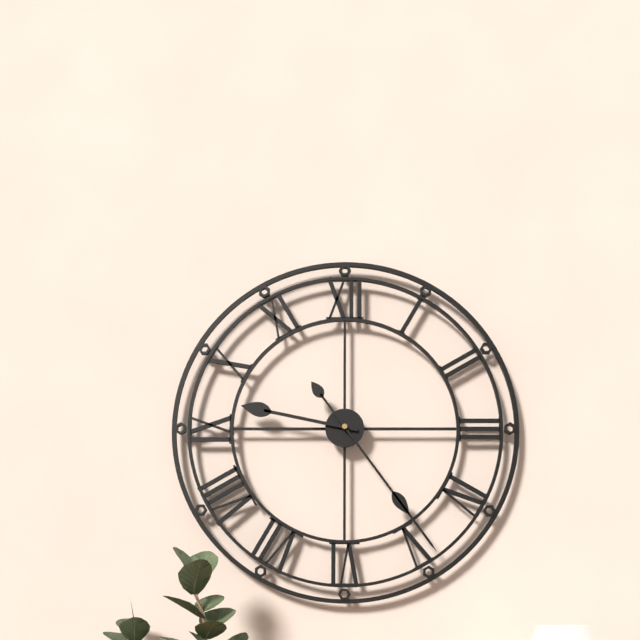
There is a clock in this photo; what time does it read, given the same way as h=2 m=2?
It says h=9 m=24
